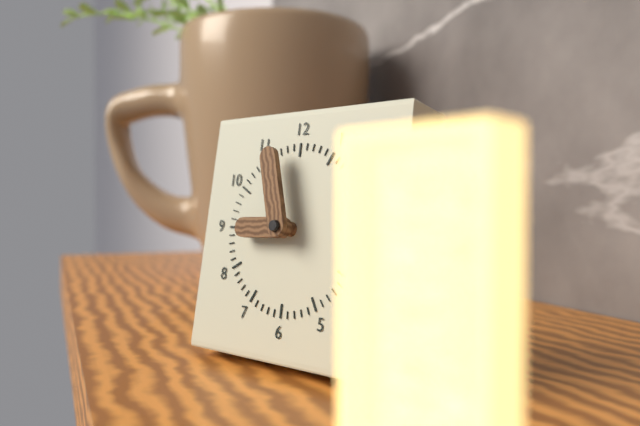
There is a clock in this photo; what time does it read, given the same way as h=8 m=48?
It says h=8 m=57
